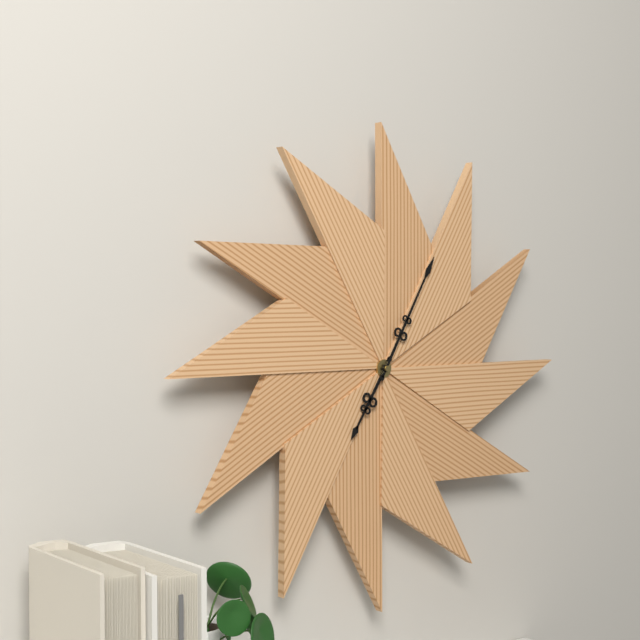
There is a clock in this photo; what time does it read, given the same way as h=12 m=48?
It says h=7 m=5
